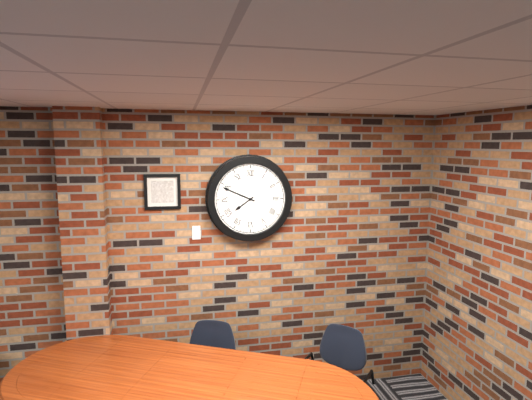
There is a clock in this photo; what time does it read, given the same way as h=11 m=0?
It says h=7 m=49
